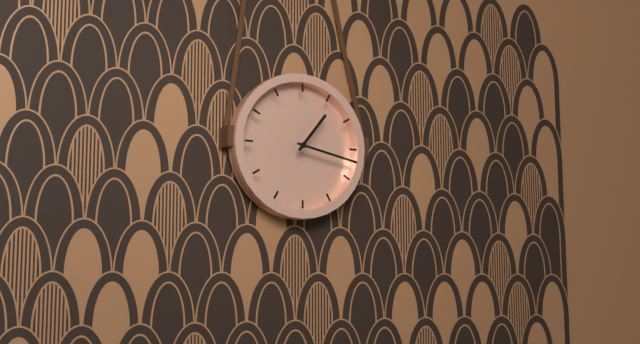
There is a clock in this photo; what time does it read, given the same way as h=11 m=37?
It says h=1 m=17
